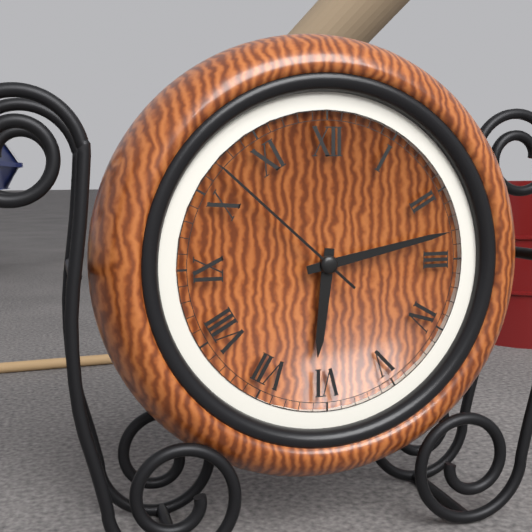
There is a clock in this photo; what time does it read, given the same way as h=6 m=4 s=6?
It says h=6 m=13 s=52
